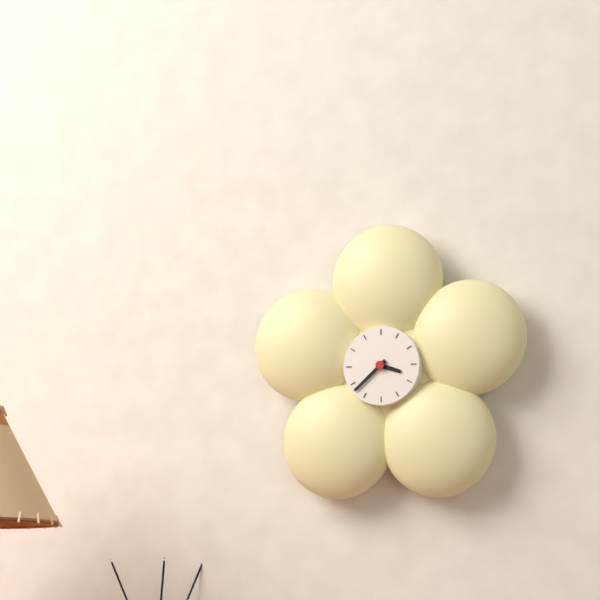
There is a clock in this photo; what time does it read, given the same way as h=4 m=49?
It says h=3 m=38
